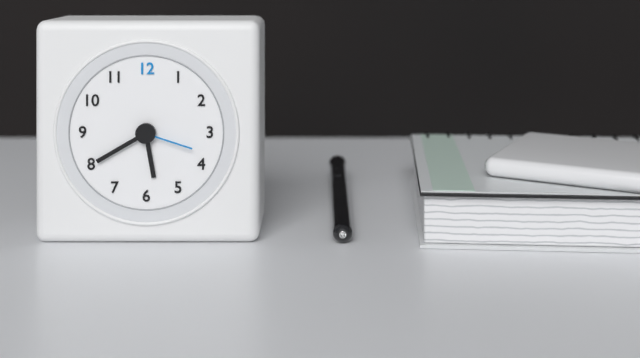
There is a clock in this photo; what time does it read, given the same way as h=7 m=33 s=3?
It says h=5 m=40 s=18
